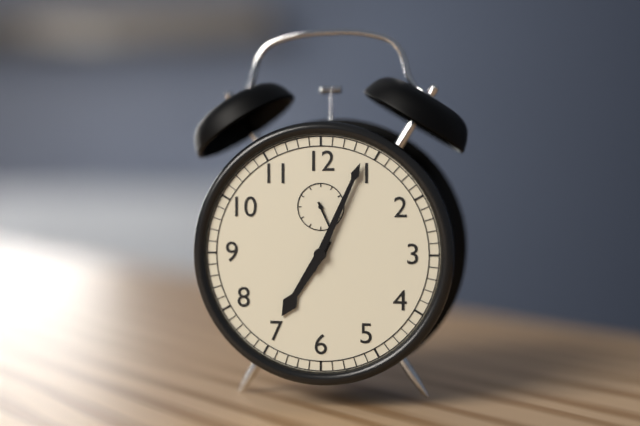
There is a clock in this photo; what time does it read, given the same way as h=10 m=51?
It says h=7 m=4
